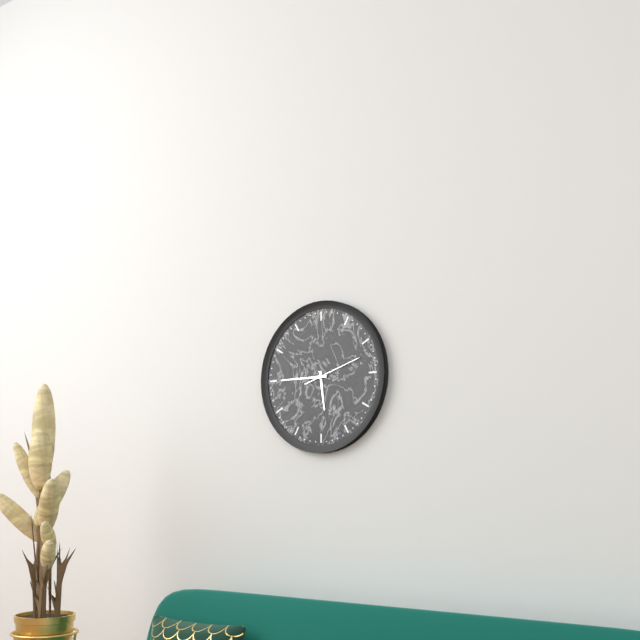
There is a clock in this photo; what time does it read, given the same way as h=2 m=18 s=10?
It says h=5 m=45 s=12
